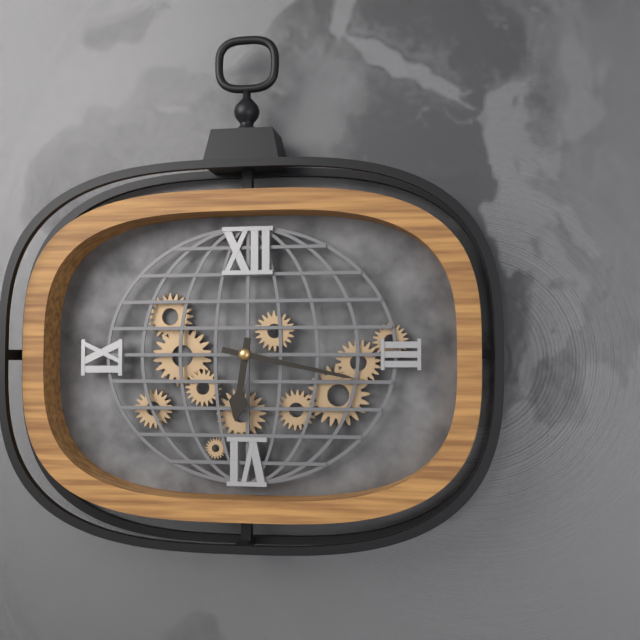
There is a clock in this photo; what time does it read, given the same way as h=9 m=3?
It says h=6 m=17
